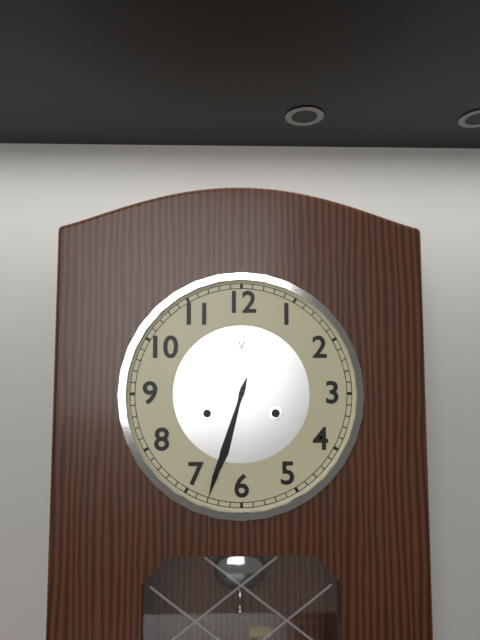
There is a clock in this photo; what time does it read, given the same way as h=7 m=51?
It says h=6 m=33
